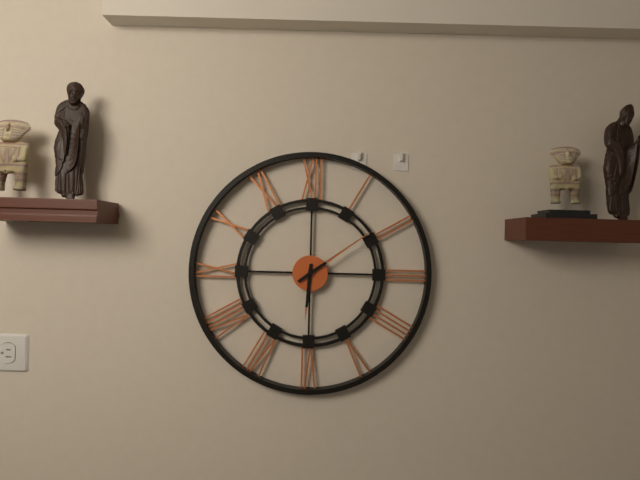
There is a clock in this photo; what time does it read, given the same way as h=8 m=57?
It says h=6 m=9
